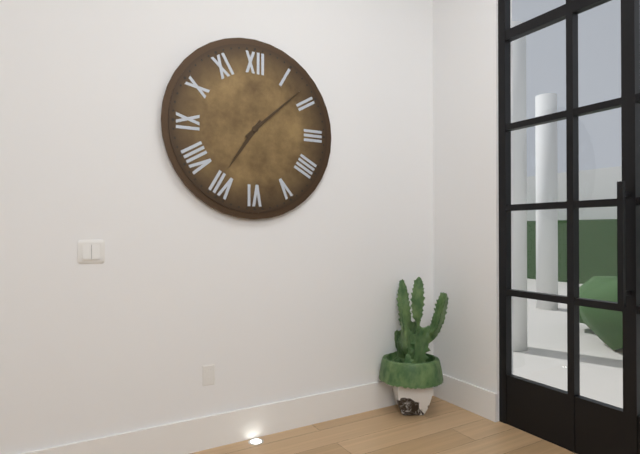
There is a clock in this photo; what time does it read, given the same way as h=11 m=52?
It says h=7 m=8
